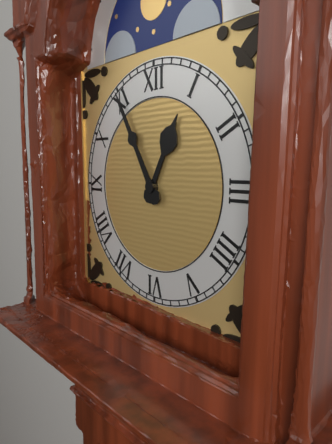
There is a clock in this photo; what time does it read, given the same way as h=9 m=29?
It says h=12 m=55
